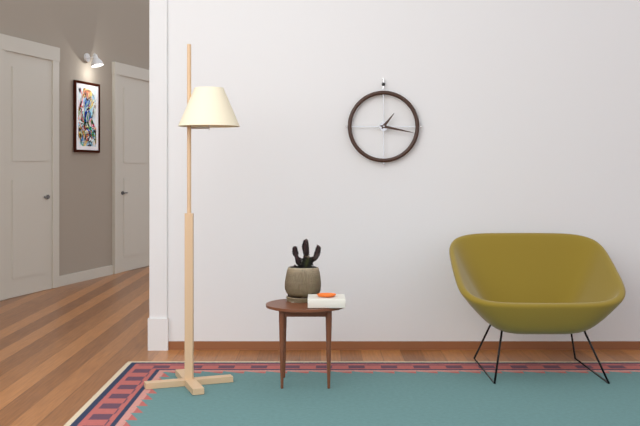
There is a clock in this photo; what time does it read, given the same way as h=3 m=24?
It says h=1 m=17
